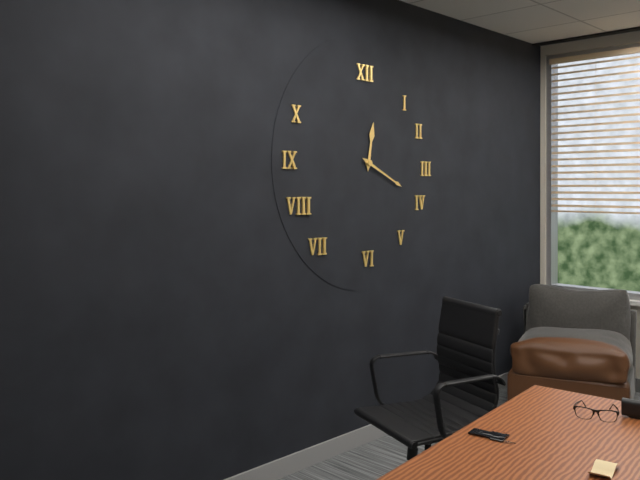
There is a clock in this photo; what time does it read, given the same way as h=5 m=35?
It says h=12 m=19
